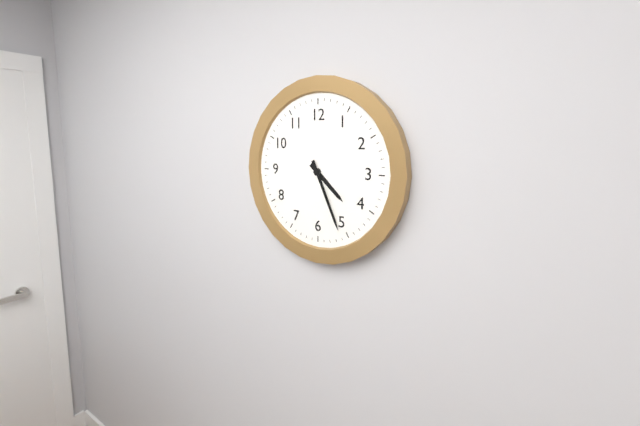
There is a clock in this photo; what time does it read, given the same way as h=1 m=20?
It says h=4 m=26
